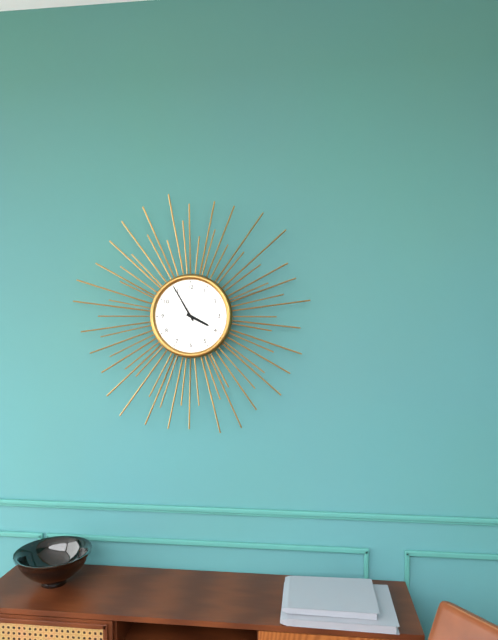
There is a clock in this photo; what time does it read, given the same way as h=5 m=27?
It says h=3 m=55
